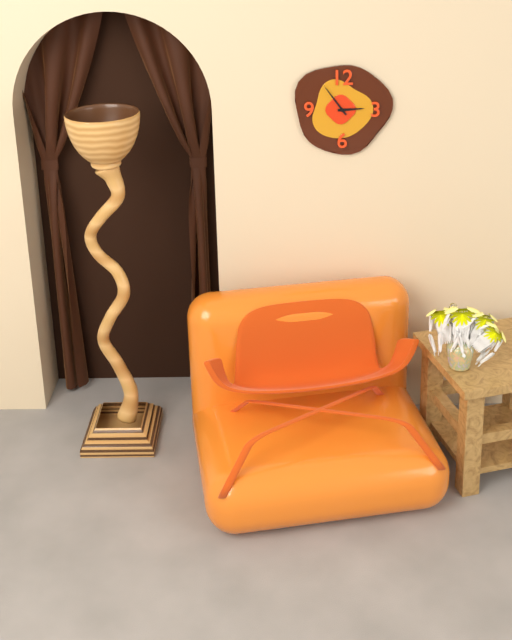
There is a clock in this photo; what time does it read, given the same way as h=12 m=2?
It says h=2 m=54
